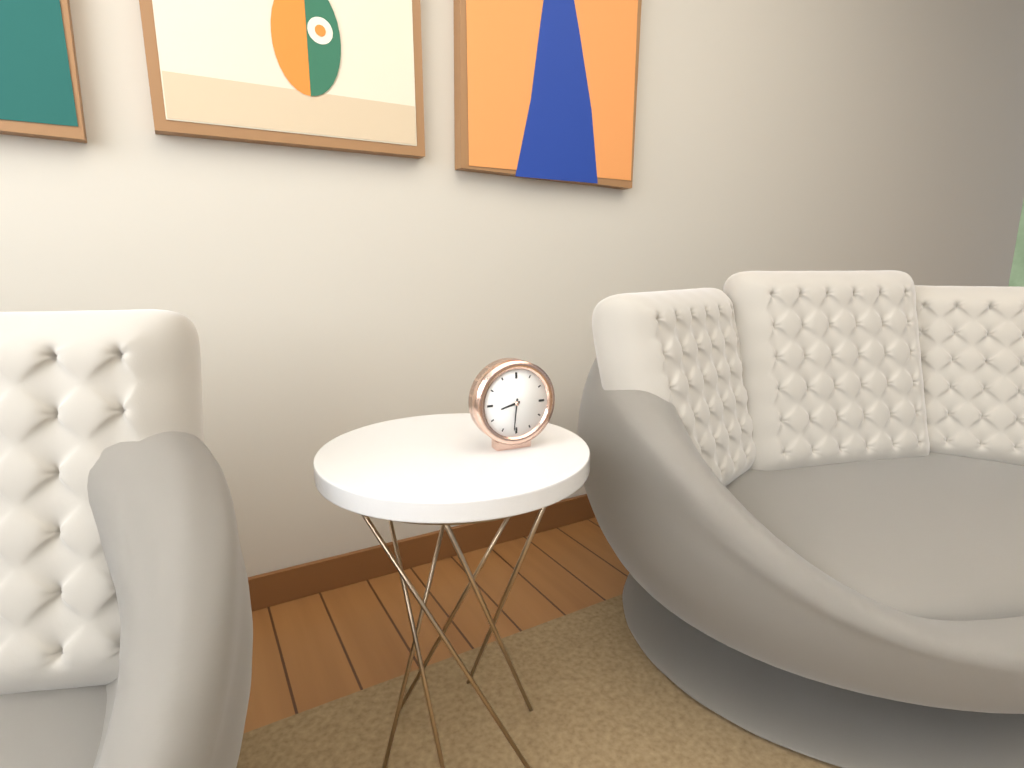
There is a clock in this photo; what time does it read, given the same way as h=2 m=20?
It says h=8 m=31
